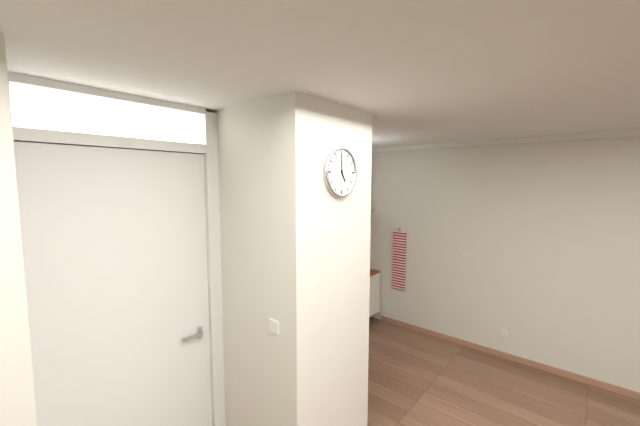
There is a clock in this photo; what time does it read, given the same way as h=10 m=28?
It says h=4 m=59
